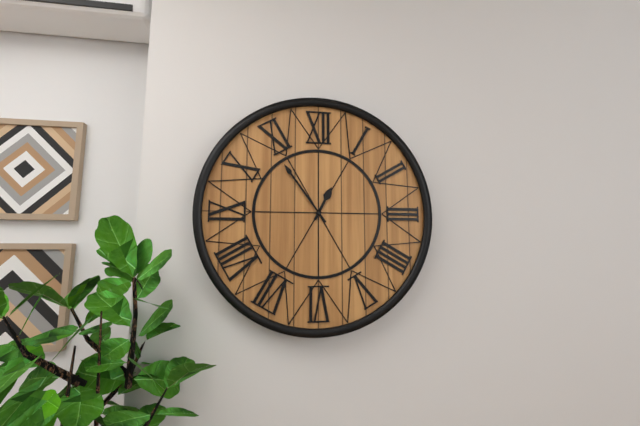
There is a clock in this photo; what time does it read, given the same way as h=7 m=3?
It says h=12 m=54
